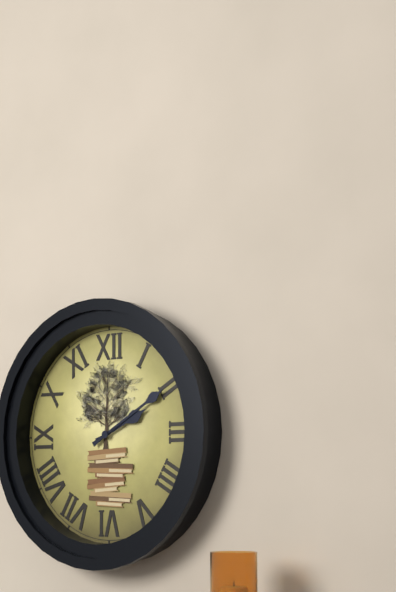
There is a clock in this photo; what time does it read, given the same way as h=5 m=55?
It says h=2 m=10
